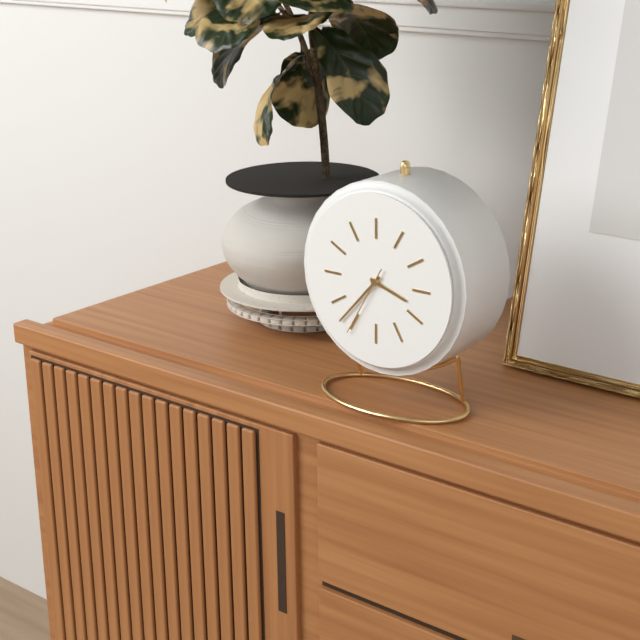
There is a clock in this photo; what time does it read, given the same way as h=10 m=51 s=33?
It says h=3 m=37 s=35
